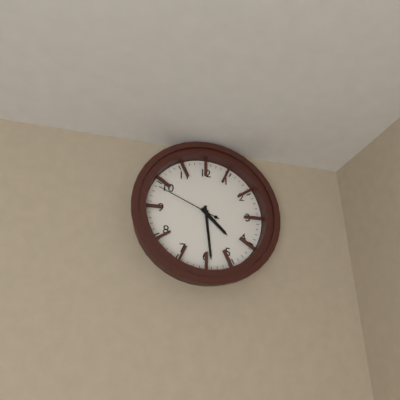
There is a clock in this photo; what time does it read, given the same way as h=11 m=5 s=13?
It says h=4 m=29 s=49
